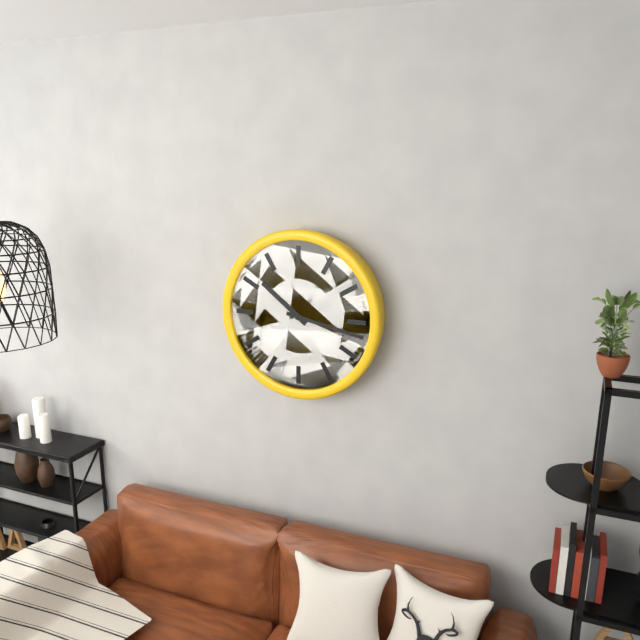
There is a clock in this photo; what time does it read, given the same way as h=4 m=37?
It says h=10 m=17
